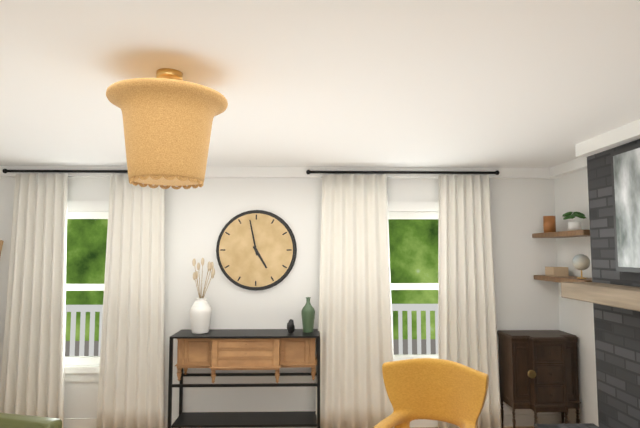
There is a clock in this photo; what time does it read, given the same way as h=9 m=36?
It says h=4 m=58
